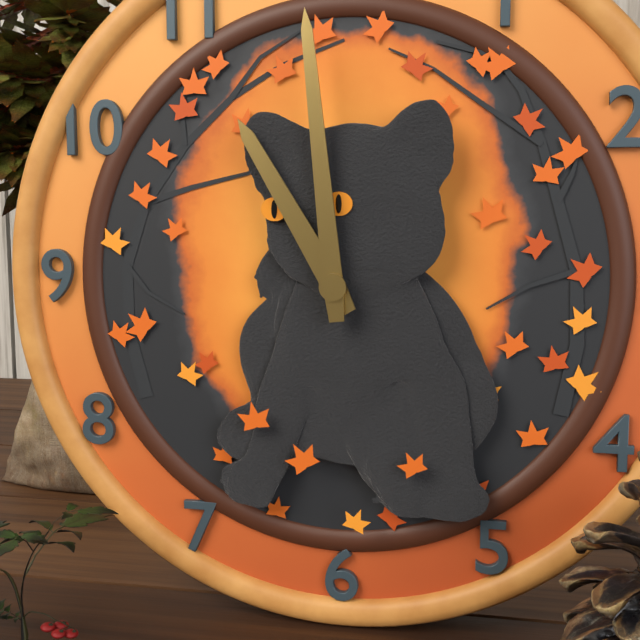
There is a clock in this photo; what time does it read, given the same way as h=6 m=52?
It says h=10 m=59
